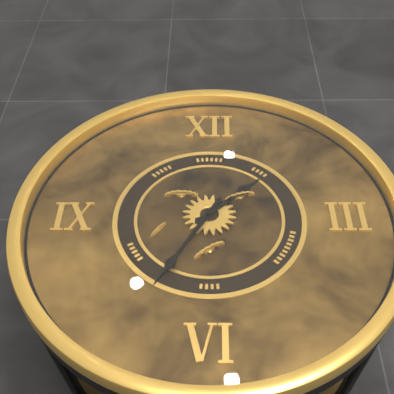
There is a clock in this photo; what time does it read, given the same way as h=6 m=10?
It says h=1 m=35
